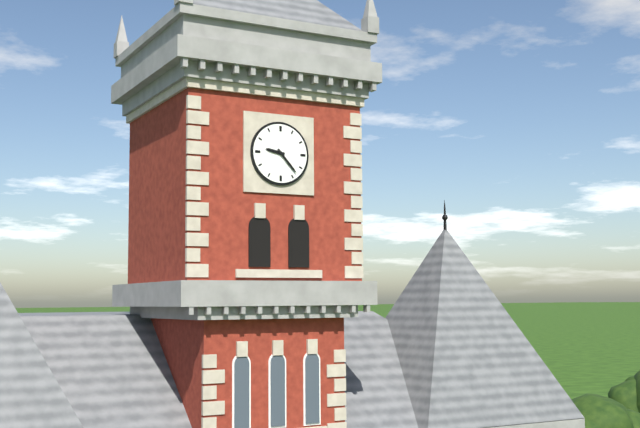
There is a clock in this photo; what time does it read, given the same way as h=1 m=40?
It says h=9 m=23
